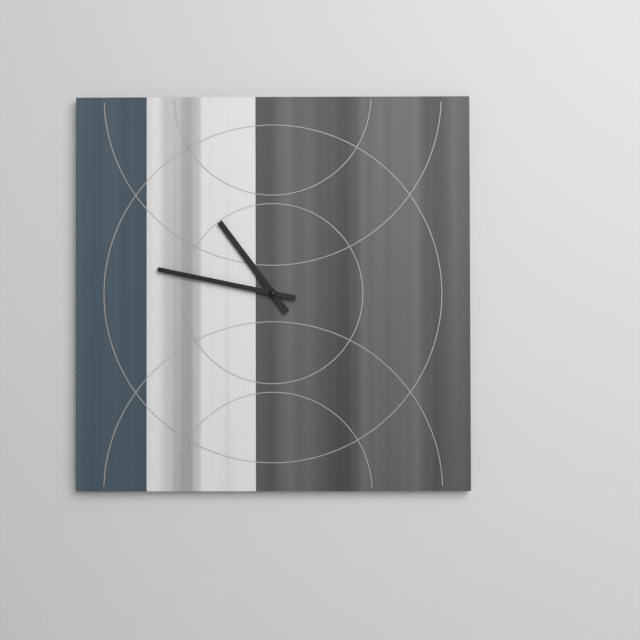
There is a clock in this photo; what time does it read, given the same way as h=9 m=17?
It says h=10 m=47
